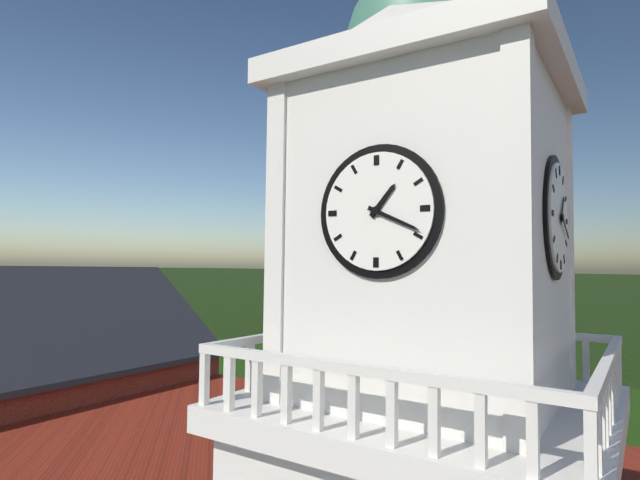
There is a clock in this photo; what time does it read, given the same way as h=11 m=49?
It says h=1 m=19
